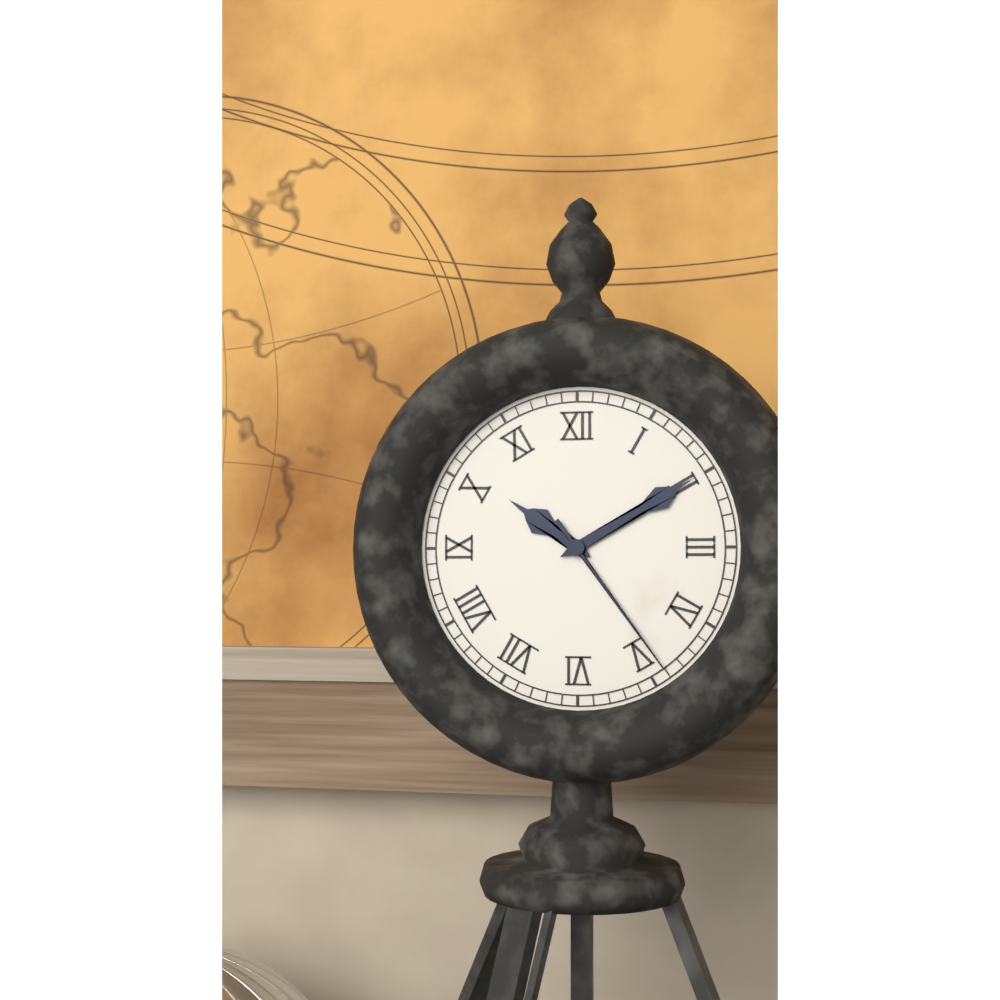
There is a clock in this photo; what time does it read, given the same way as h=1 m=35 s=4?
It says h=10 m=10 s=24
